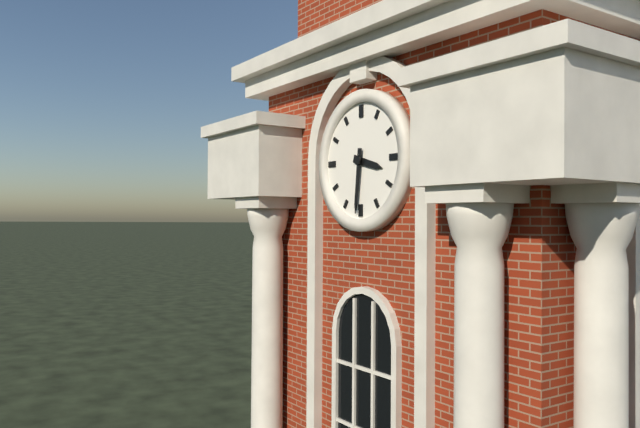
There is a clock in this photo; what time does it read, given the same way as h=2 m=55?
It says h=3 m=31
